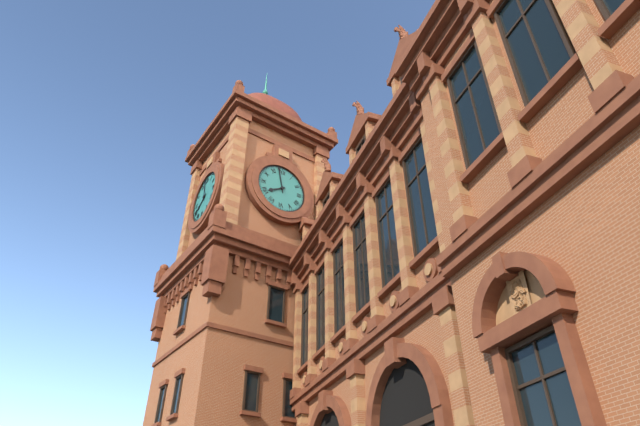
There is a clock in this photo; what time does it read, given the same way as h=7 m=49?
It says h=7 m=58
